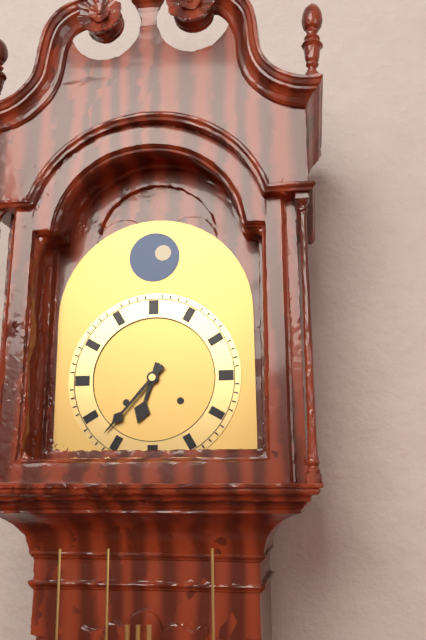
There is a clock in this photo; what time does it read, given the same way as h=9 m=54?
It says h=6 m=37
